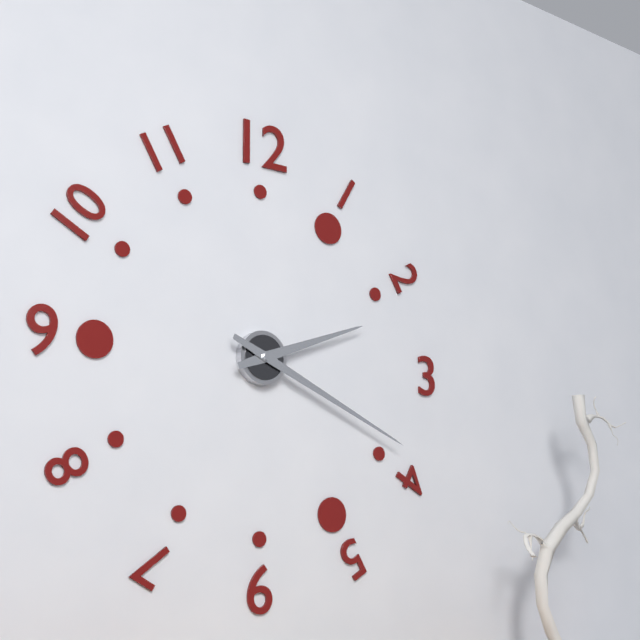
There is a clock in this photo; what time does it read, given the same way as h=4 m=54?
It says h=2 m=19
